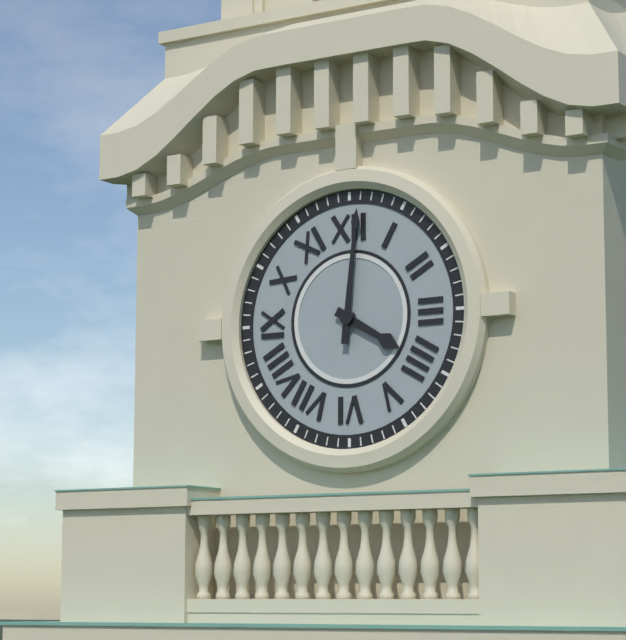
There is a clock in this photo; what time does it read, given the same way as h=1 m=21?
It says h=4 m=1
